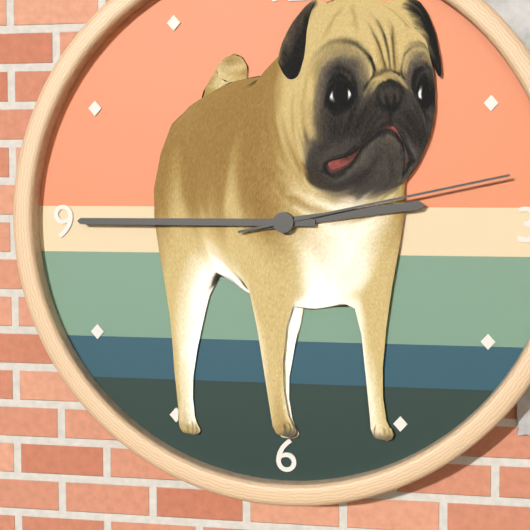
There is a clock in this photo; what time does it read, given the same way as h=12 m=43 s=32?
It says h=2 m=45 s=13
